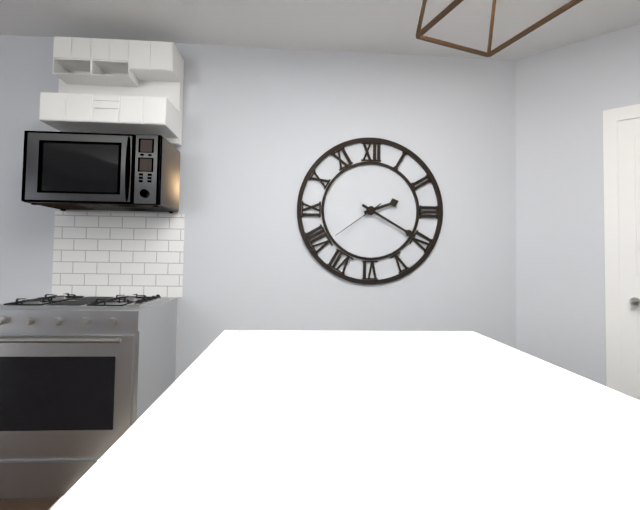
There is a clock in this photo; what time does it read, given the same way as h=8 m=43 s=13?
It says h=2 m=20 s=39
